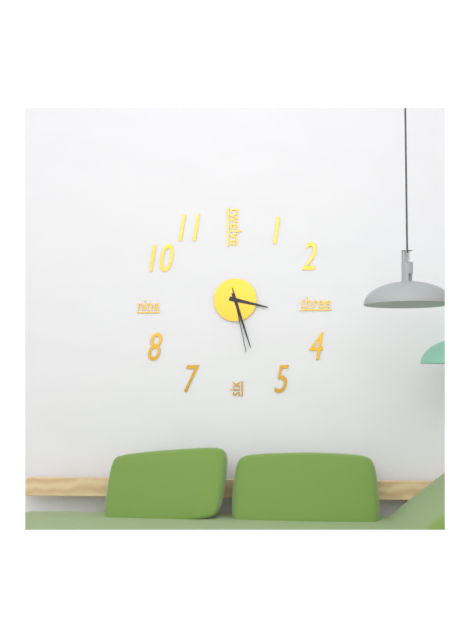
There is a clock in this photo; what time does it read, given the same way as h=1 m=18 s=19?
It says h=3 m=27 s=28
